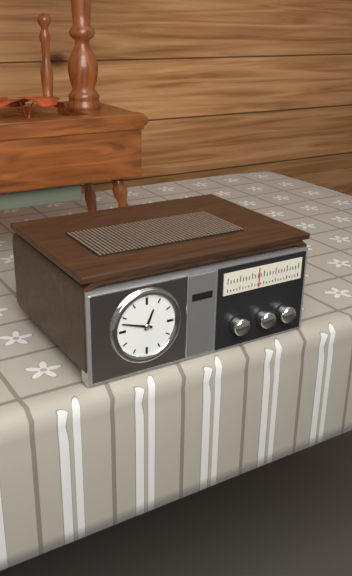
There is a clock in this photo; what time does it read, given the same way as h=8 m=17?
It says h=12 m=48
